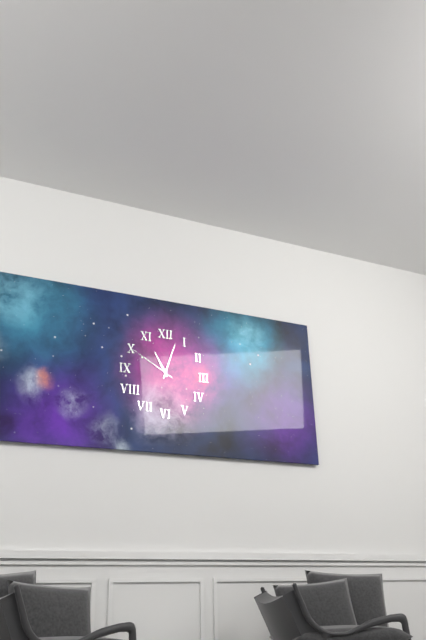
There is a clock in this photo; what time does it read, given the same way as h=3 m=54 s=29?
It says h=11 m=3 s=50
